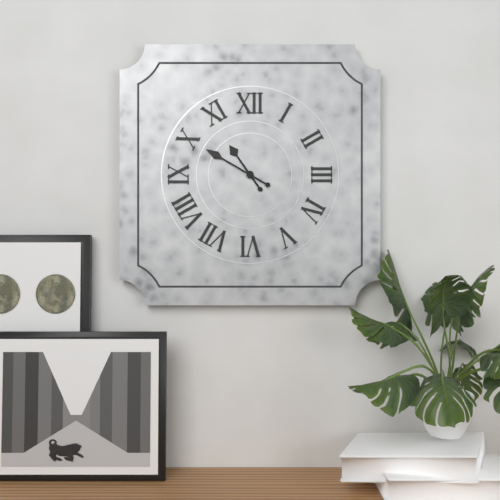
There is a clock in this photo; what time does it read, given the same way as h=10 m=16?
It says h=10 m=50
